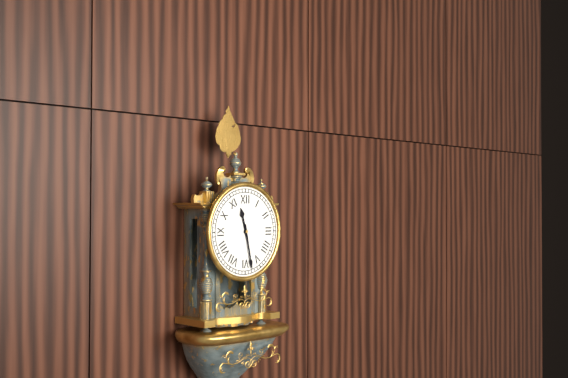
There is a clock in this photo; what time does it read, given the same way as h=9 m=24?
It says h=11 m=28
